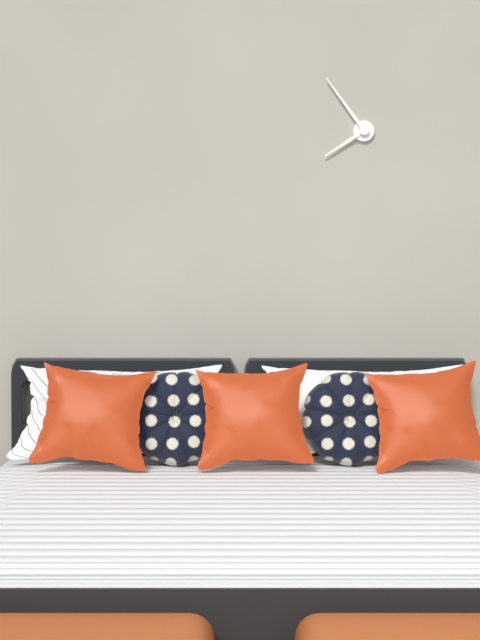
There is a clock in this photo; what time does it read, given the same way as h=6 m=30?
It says h=7 m=54
